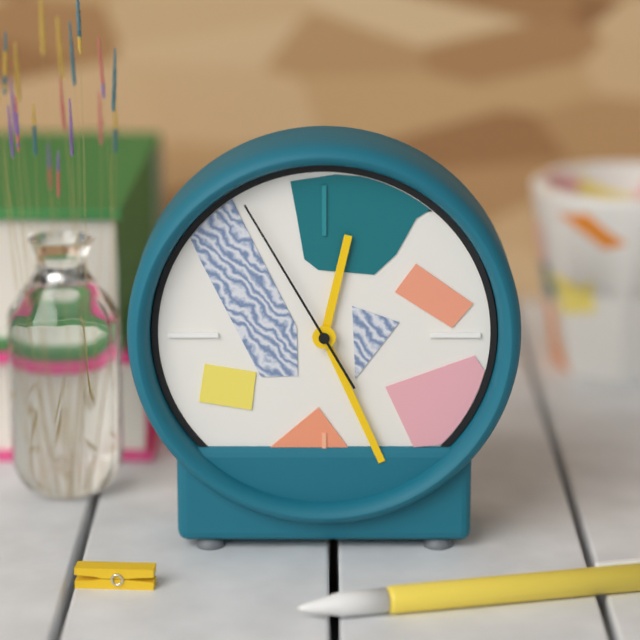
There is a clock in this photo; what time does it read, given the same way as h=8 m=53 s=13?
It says h=12 m=26 s=55
